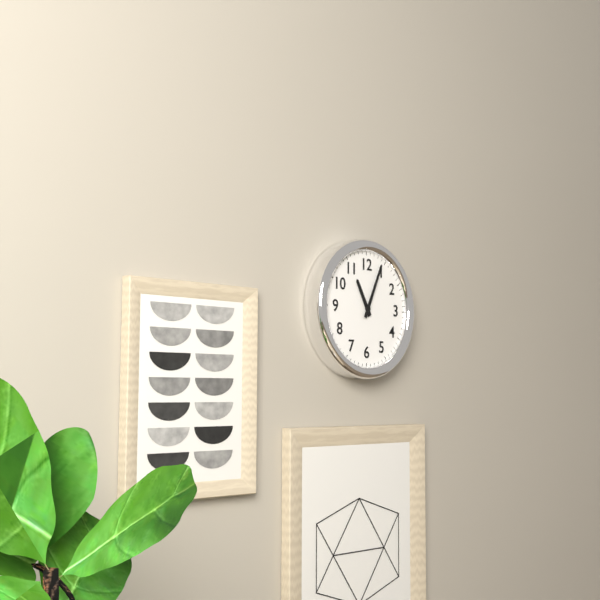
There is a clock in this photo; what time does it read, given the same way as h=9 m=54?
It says h=11 m=4
